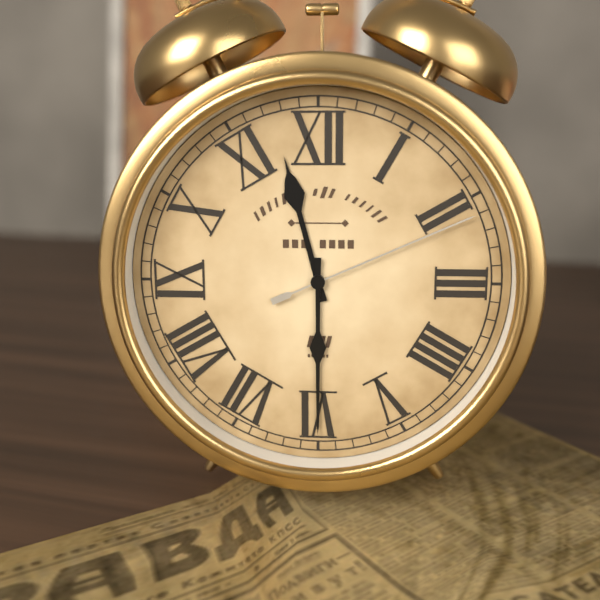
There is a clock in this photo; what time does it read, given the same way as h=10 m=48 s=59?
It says h=11 m=30 s=11
